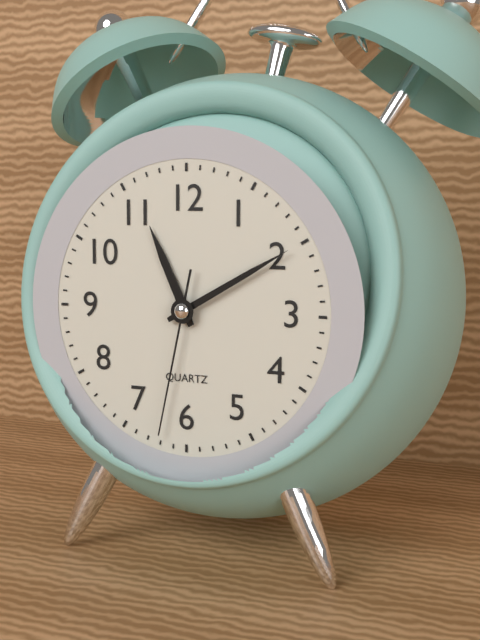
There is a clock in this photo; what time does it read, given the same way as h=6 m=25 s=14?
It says h=11 m=10 s=32
